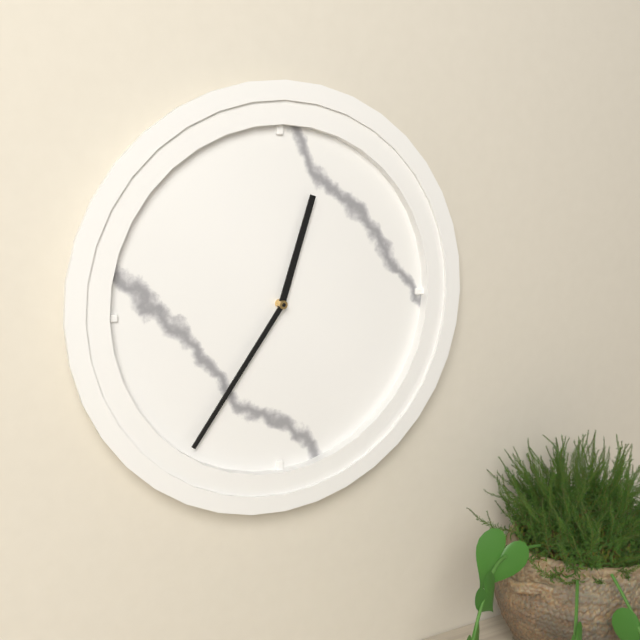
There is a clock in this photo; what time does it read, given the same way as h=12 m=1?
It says h=12 m=36
